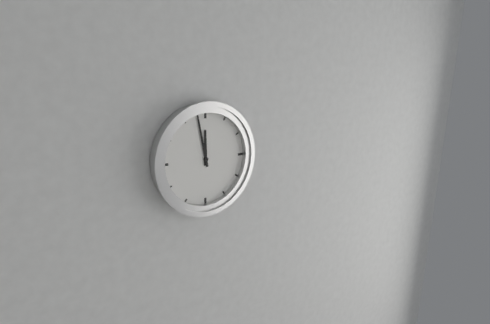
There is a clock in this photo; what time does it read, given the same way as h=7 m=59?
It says h=11 m=58
